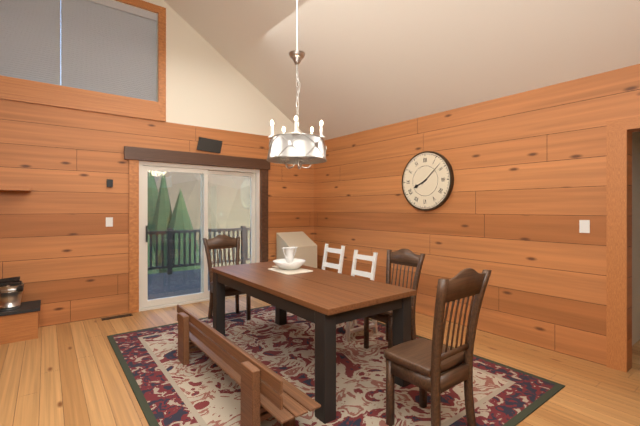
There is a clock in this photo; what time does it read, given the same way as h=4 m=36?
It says h=8 m=8
